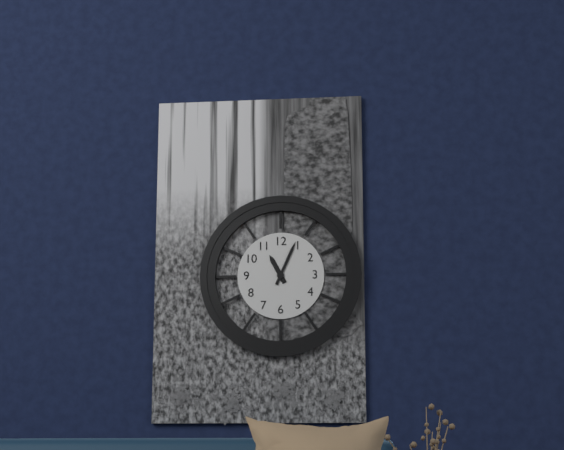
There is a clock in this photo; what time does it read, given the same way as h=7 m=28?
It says h=11 m=4
